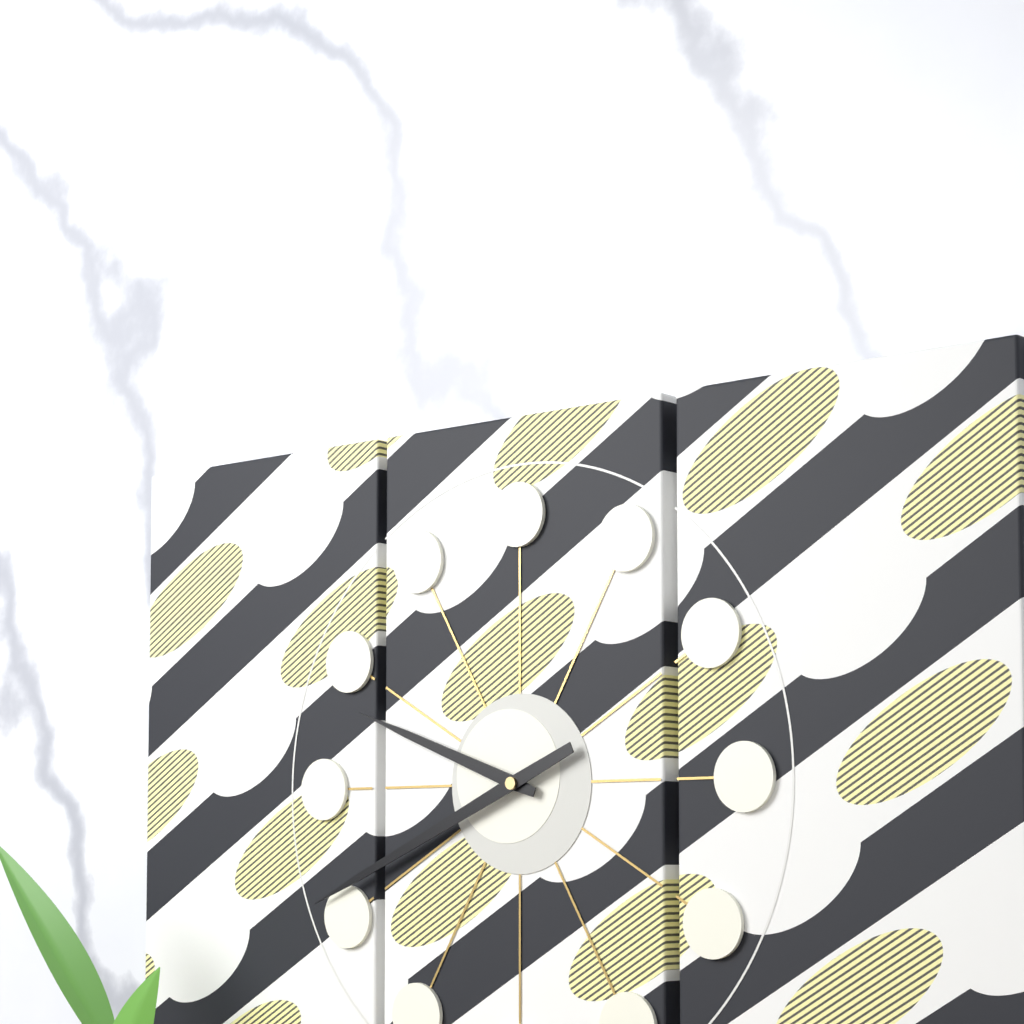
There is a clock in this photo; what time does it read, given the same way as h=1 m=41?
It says h=9 m=41
